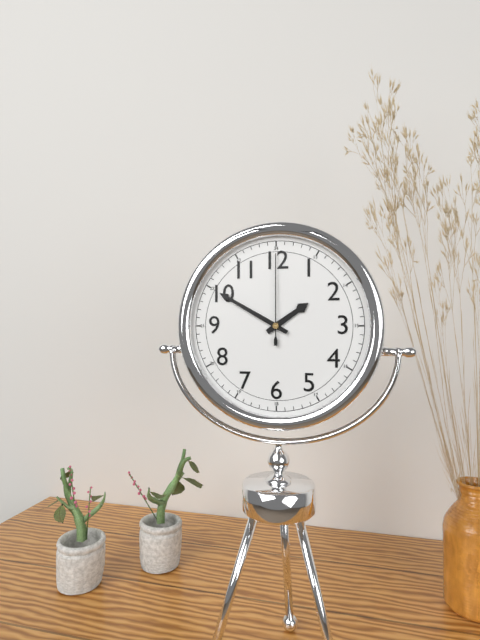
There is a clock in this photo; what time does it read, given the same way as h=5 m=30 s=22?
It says h=1 m=50 s=0
